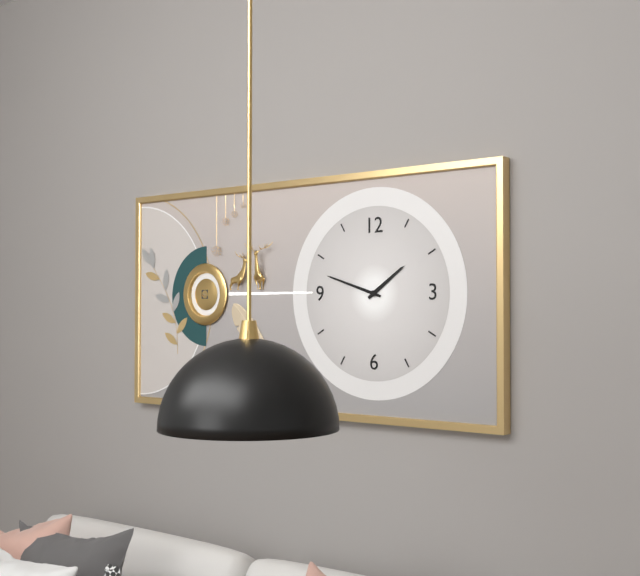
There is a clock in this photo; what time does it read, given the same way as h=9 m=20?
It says h=1 m=48
